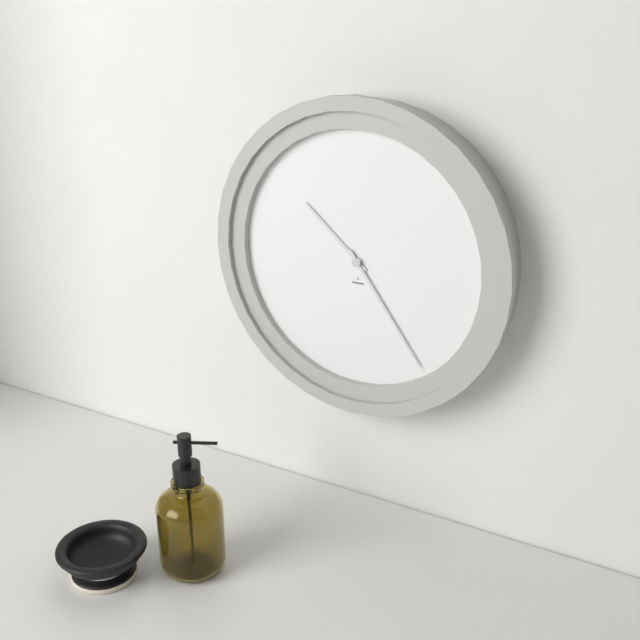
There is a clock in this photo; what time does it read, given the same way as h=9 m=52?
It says h=10 m=24
